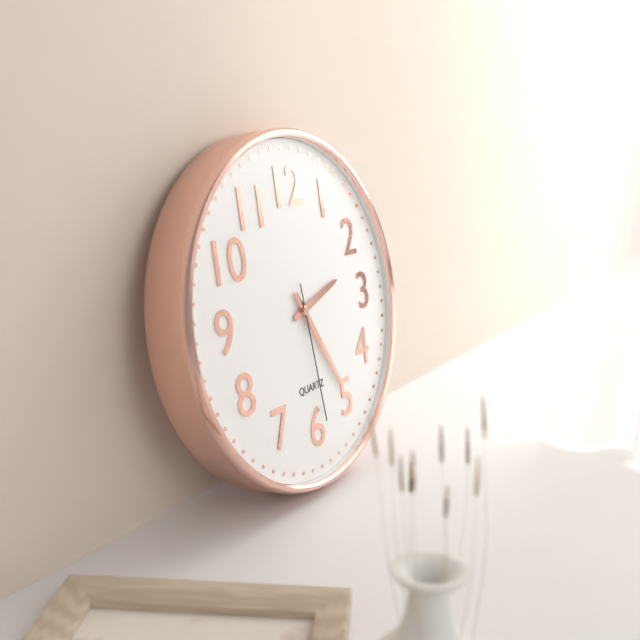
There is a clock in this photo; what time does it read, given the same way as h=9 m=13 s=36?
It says h=2 m=25 s=29
